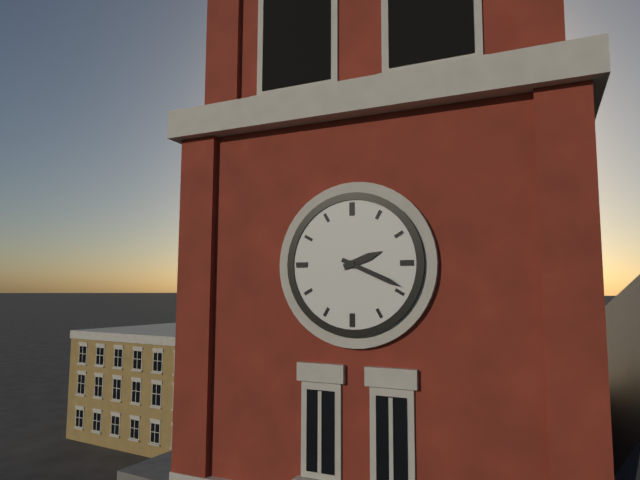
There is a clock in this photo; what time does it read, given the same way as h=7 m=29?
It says h=2 m=19
